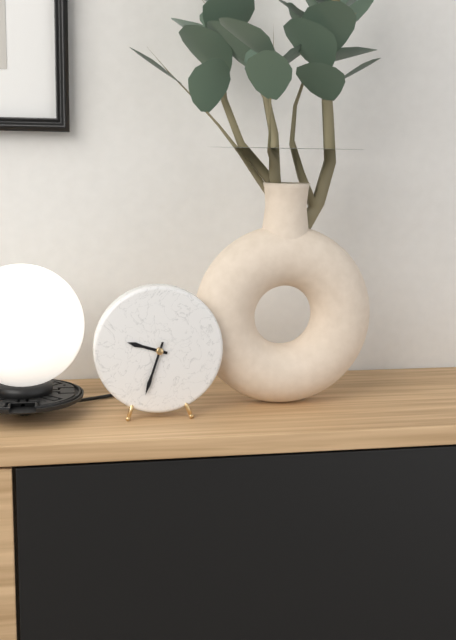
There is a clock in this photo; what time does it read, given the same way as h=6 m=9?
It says h=9 m=33
